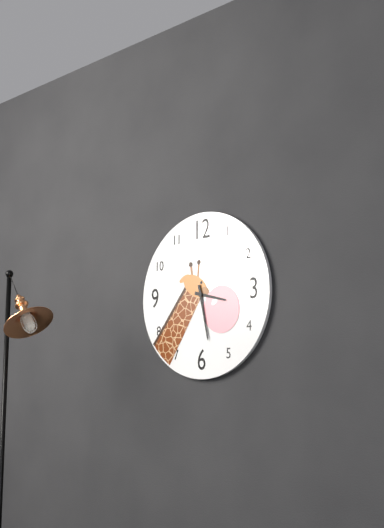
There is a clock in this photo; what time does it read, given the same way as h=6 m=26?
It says h=3 m=28
